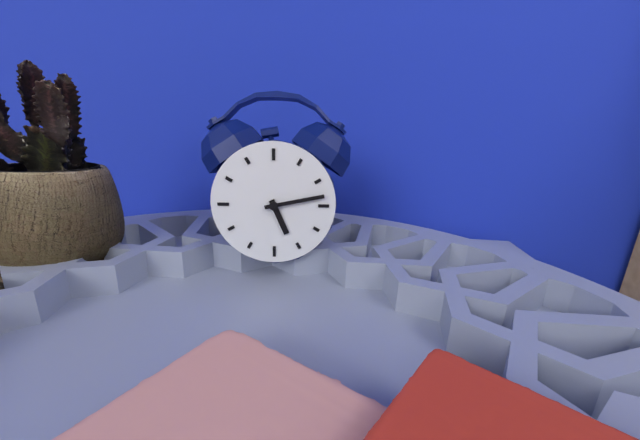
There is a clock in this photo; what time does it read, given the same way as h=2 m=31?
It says h=5 m=13
